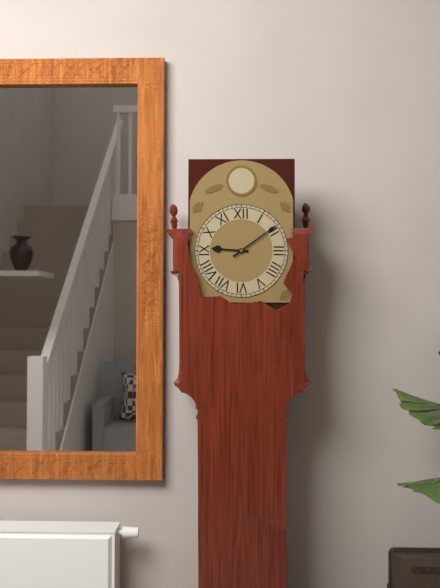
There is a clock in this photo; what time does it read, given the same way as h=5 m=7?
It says h=9 m=9
